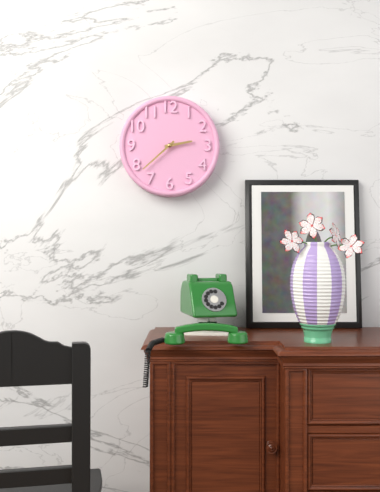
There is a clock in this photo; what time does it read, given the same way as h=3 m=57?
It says h=2 m=38
